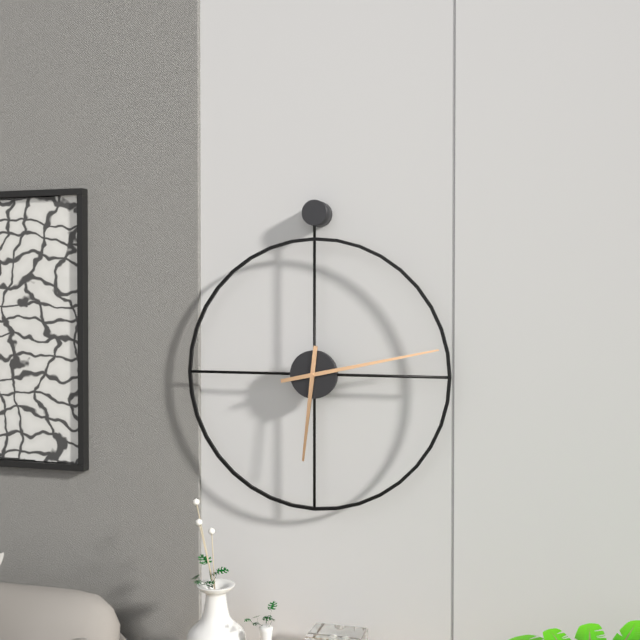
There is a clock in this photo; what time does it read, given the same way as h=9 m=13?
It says h=6 m=13
